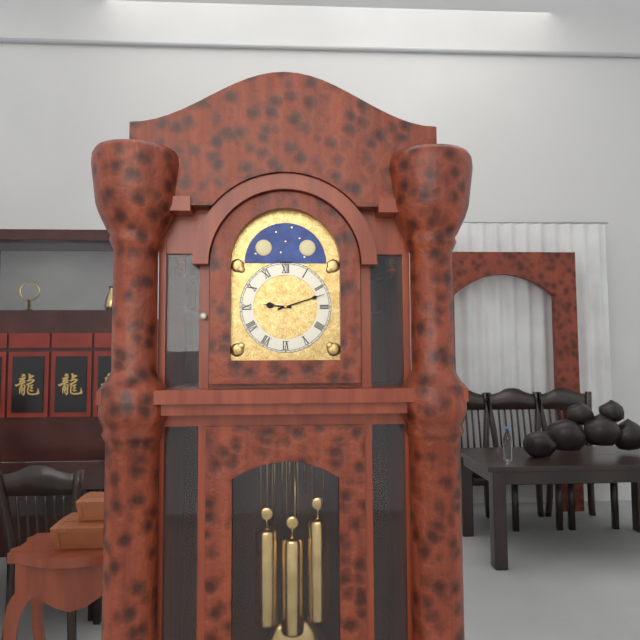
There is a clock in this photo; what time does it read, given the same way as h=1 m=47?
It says h=9 m=12
